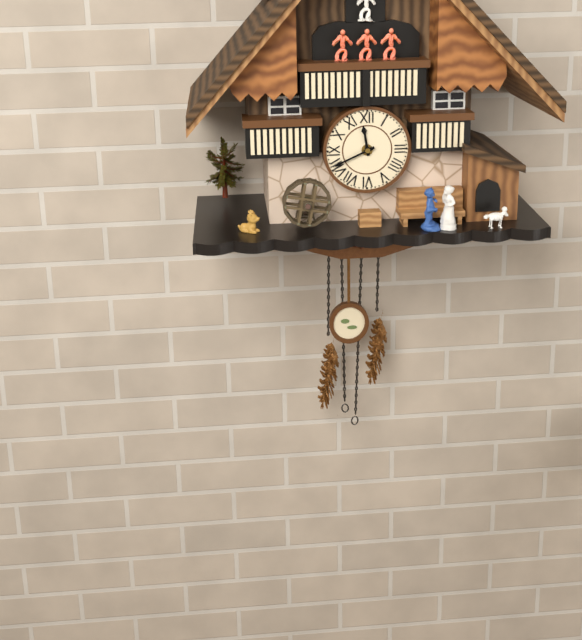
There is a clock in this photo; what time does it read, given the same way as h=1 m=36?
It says h=11 m=41
